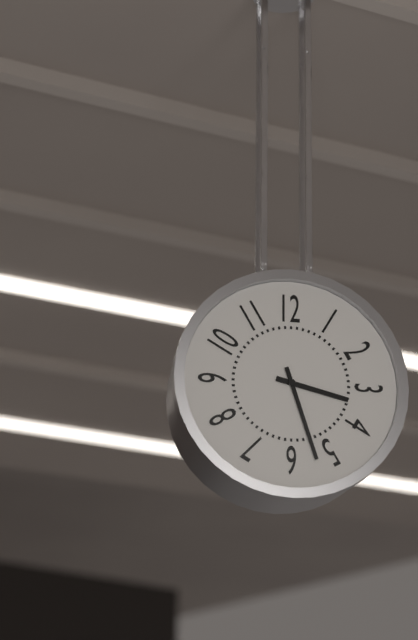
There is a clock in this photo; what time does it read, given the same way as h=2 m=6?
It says h=3 m=27
